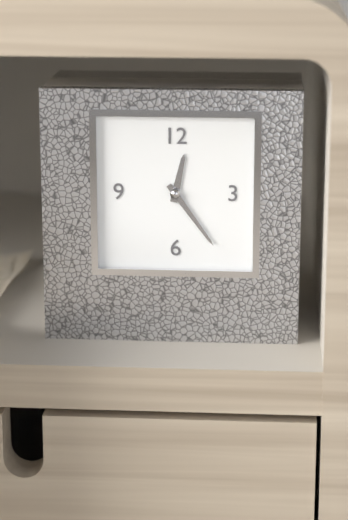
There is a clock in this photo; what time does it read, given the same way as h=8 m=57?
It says h=12 m=24
